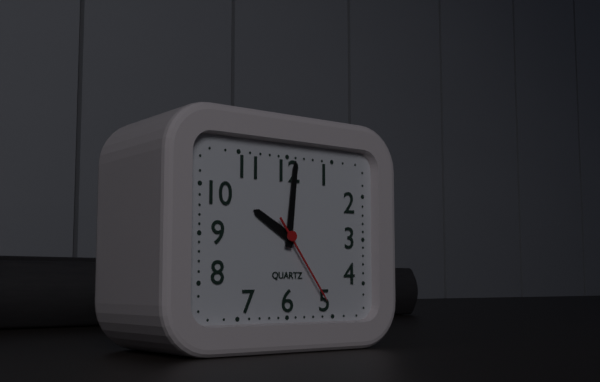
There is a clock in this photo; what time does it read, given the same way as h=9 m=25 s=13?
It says h=10 m=1 s=24
